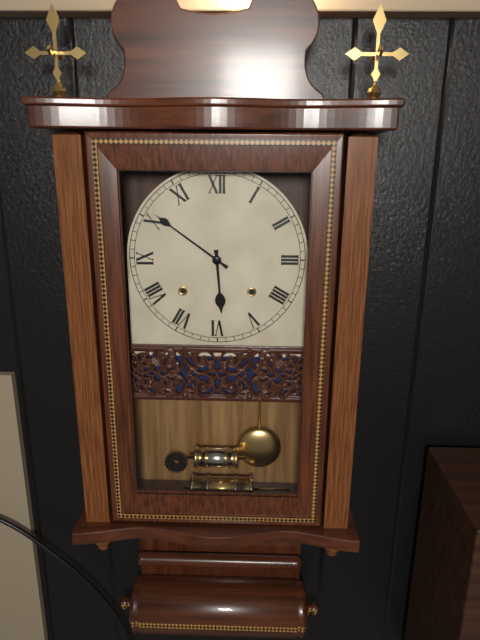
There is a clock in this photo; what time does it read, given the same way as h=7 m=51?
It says h=5 m=51
